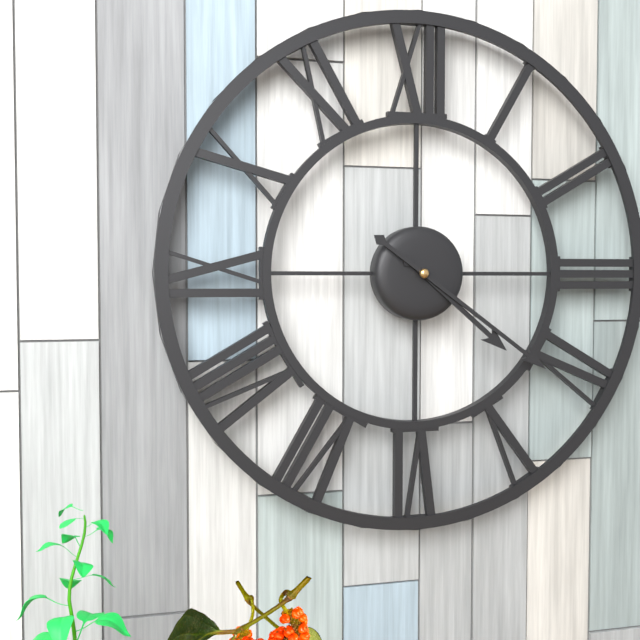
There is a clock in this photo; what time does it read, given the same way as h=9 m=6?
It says h=4 m=21
